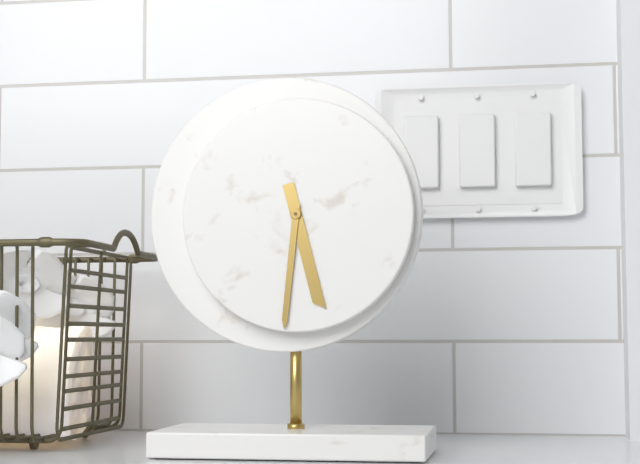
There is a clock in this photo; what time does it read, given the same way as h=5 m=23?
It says h=5 m=31
